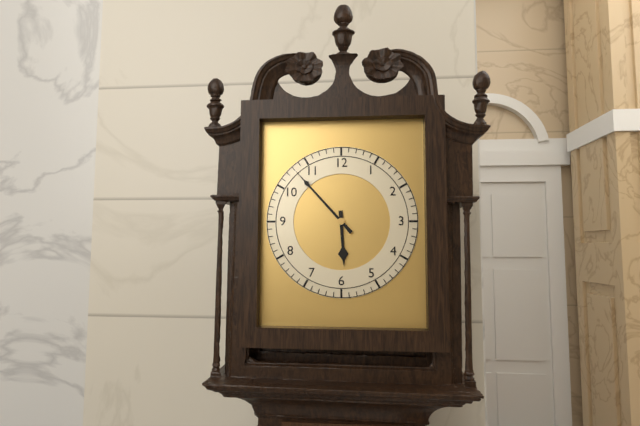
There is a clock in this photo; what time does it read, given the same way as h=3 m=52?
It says h=5 m=53
